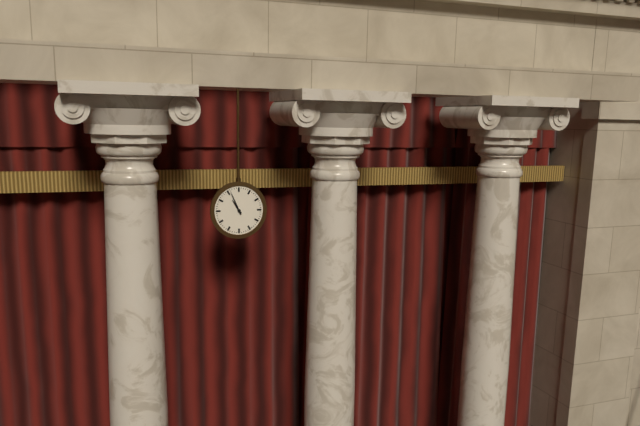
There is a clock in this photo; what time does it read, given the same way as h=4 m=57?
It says h=10 m=56
